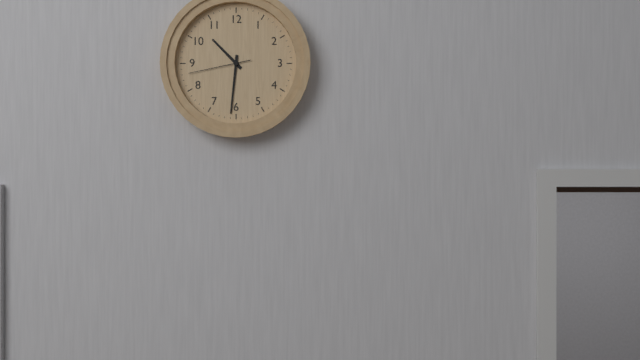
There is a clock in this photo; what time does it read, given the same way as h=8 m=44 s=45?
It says h=10 m=31 s=43
